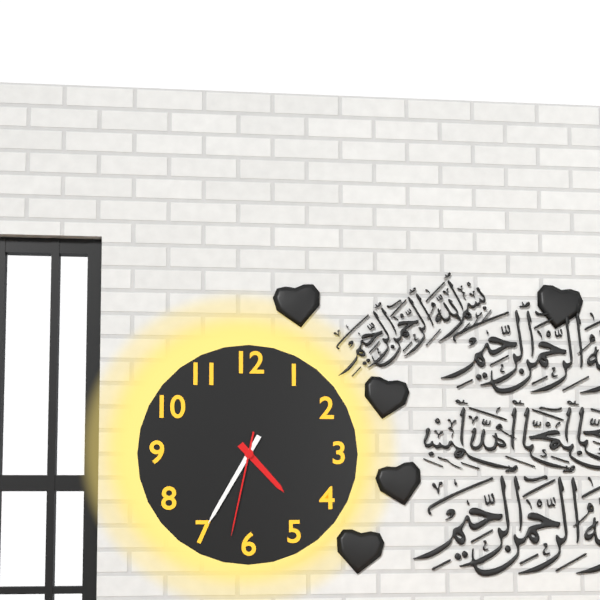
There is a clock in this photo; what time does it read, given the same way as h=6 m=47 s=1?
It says h=4 m=35 s=32
